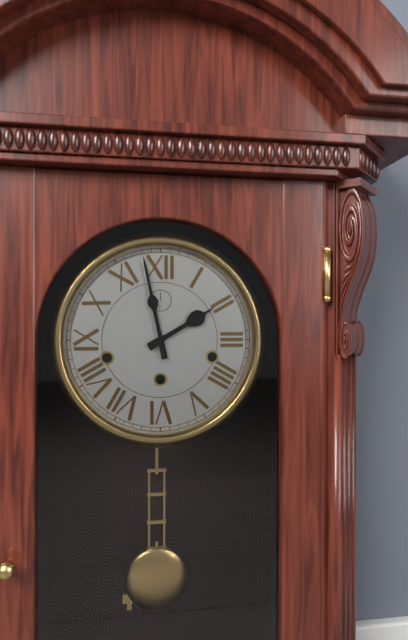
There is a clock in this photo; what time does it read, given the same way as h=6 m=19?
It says h=1 m=58
